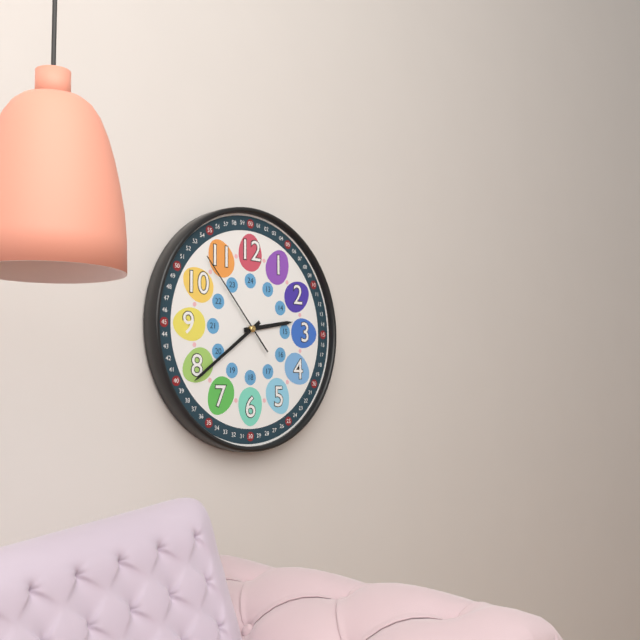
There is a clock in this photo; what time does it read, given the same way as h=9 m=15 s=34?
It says h=2 m=39 s=53
